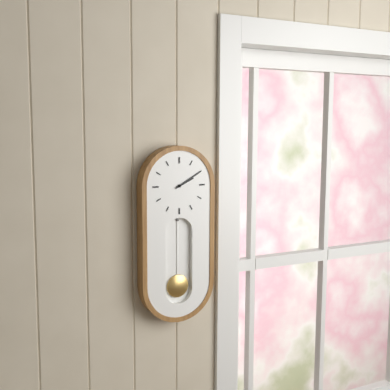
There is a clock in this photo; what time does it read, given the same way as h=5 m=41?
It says h=2 m=10
